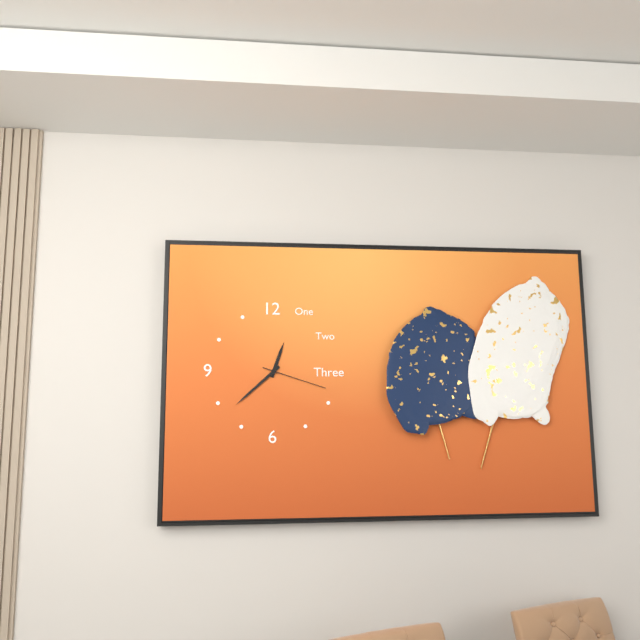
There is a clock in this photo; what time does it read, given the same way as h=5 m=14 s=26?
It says h=12 m=38 s=18
